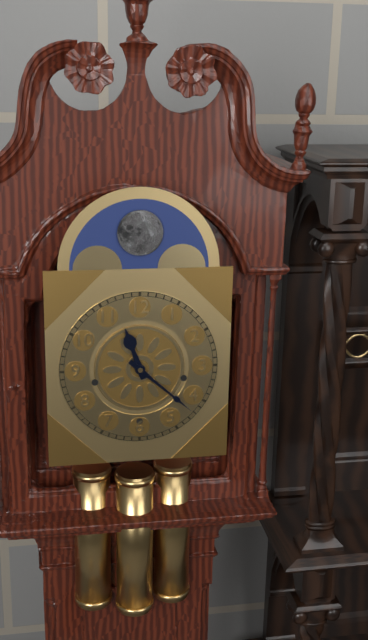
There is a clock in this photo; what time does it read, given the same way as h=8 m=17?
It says h=11 m=22
